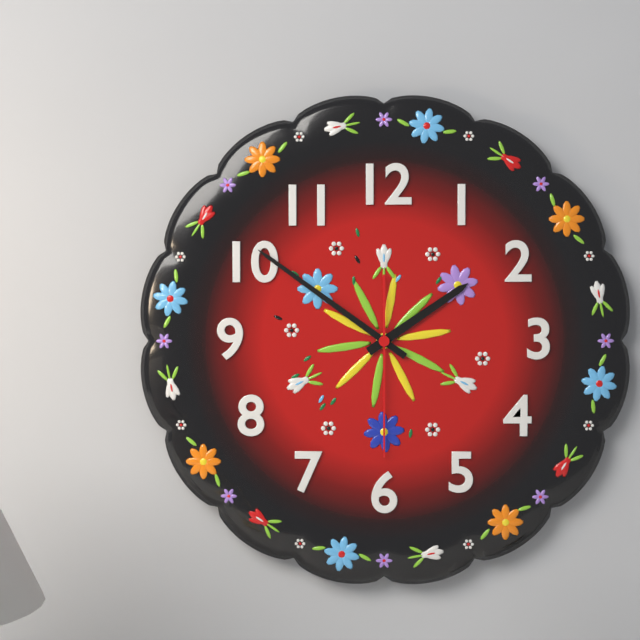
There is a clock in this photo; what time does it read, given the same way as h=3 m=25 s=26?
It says h=1 m=51 s=30
